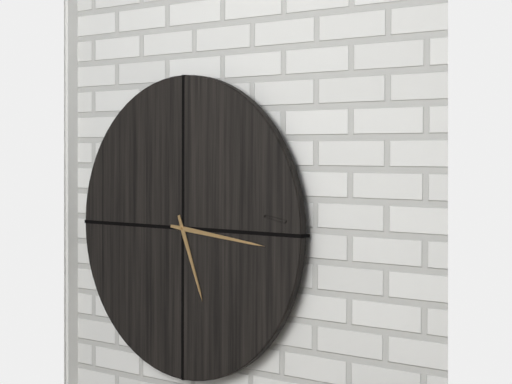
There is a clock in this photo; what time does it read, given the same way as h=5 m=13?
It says h=5 m=16
